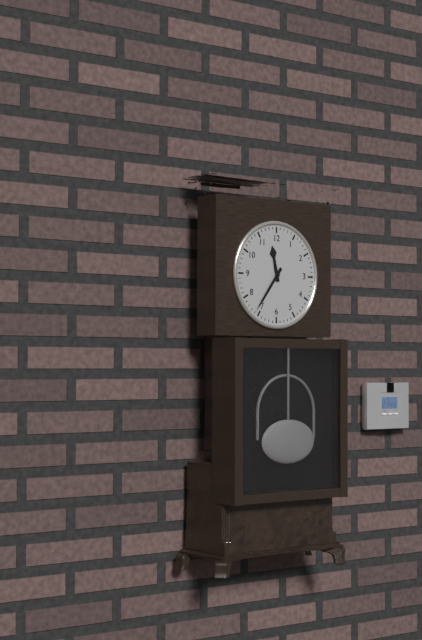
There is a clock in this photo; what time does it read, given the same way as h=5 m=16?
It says h=11 m=36
